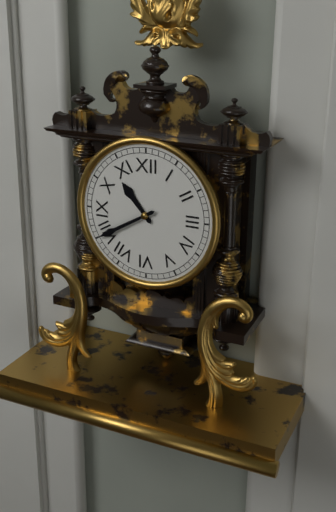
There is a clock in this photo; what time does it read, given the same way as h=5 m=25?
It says h=10 m=40
